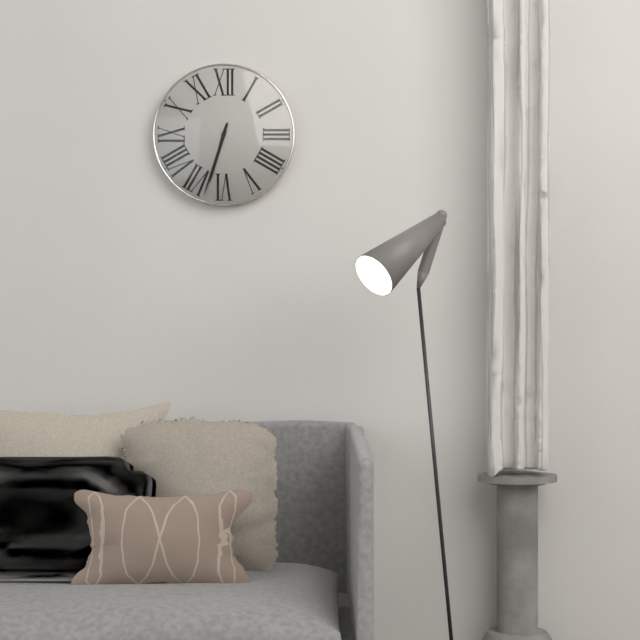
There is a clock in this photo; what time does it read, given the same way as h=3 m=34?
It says h=6 m=33
